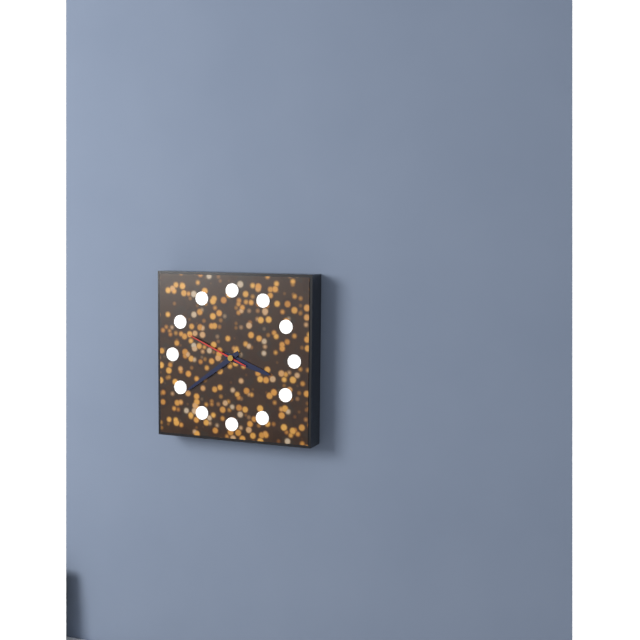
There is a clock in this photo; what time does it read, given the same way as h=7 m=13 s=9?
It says h=3 m=39 s=49
